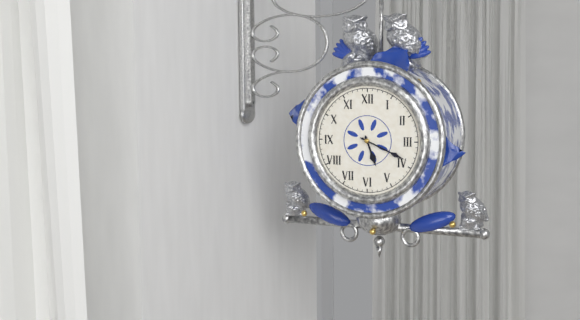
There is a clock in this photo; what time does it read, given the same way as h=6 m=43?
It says h=5 m=19
